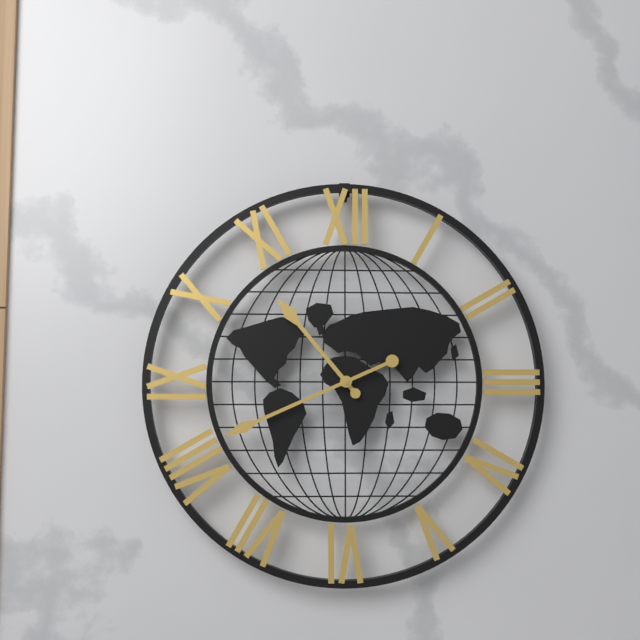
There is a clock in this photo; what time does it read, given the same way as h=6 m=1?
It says h=10 m=41
